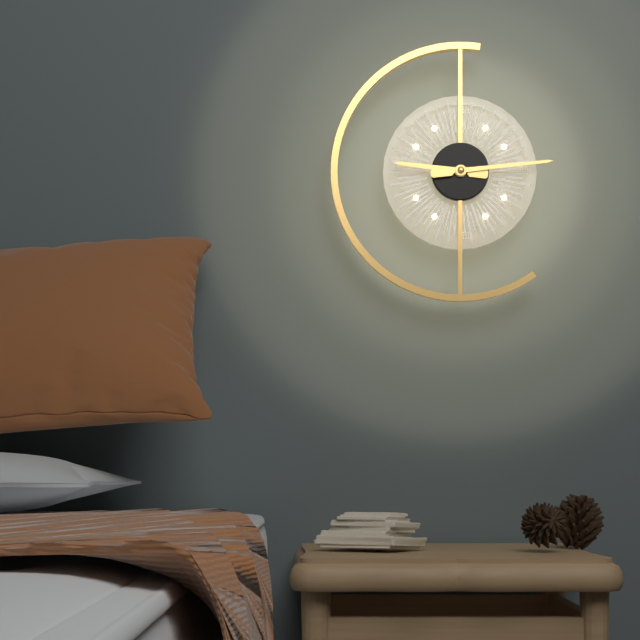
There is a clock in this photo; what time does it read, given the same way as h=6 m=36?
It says h=9 m=14
